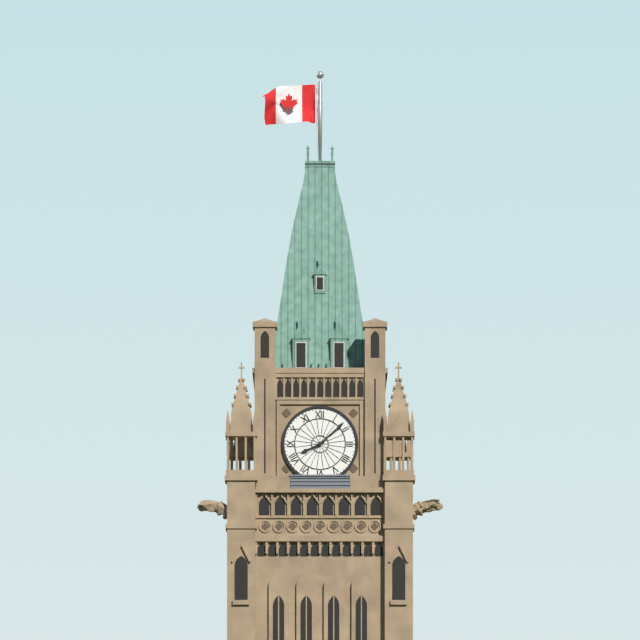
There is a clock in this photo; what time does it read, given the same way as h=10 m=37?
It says h=8 m=8
